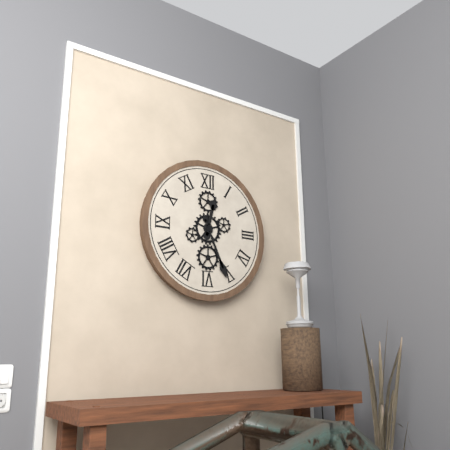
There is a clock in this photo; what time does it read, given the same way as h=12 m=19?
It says h=12 m=26
